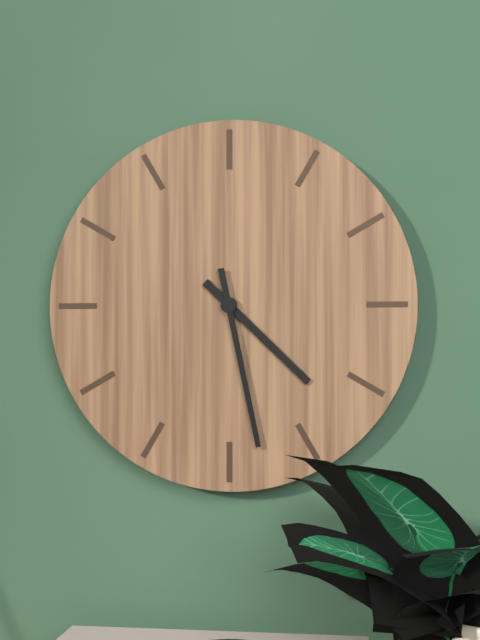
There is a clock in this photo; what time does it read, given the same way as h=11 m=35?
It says h=4 m=28
